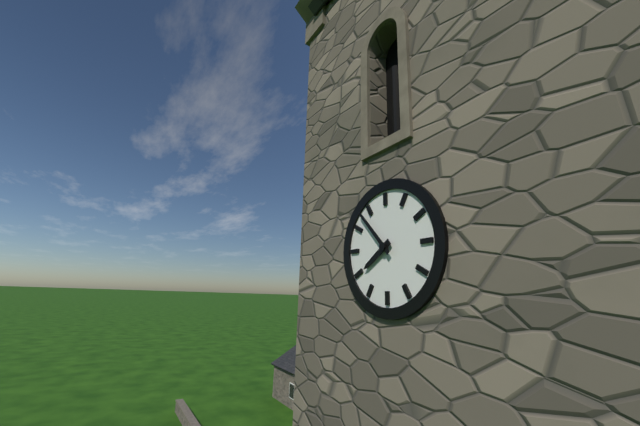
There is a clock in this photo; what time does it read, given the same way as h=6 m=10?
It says h=7 m=53
